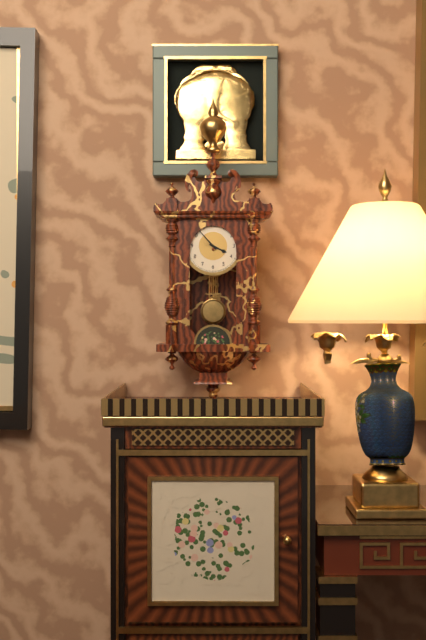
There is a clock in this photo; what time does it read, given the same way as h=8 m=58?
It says h=3 m=53
